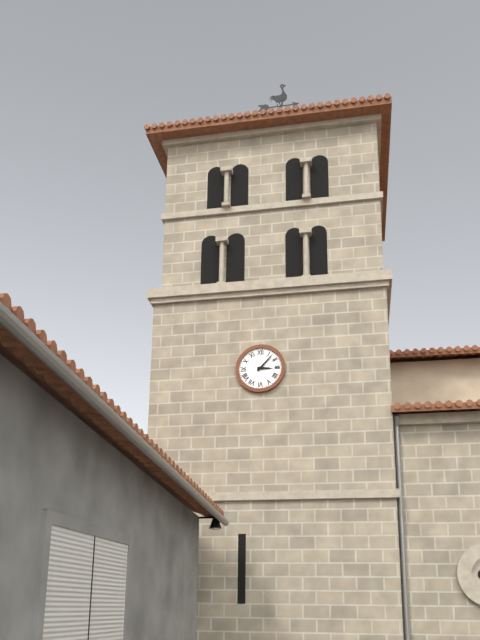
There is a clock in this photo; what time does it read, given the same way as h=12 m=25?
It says h=3 m=7
